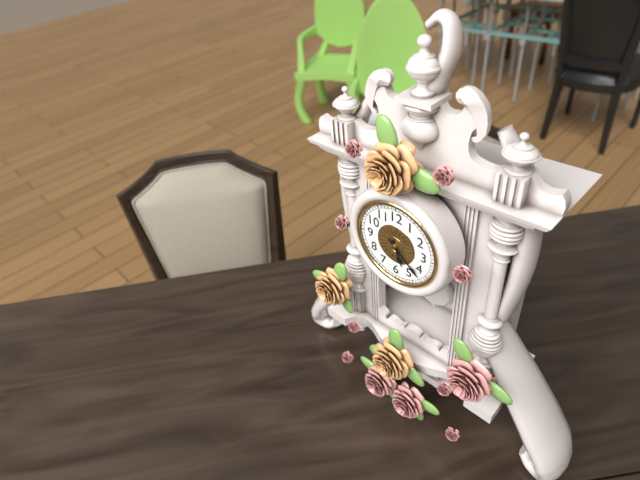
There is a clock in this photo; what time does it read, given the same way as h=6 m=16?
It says h=5 m=22
